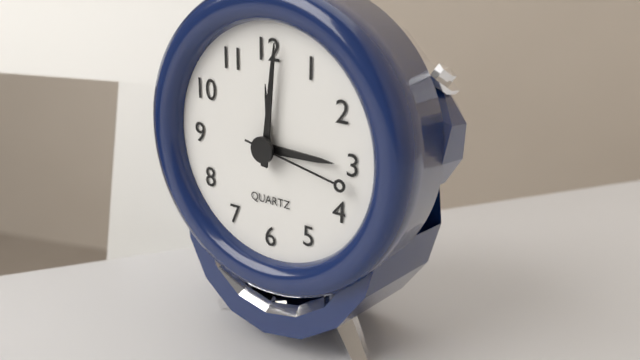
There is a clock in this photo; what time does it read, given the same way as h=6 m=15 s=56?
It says h=3 m=1 s=17
